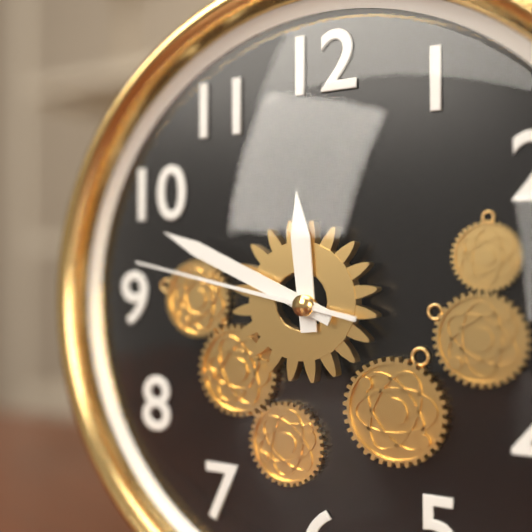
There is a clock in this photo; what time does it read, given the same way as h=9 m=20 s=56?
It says h=11 m=49 s=47
